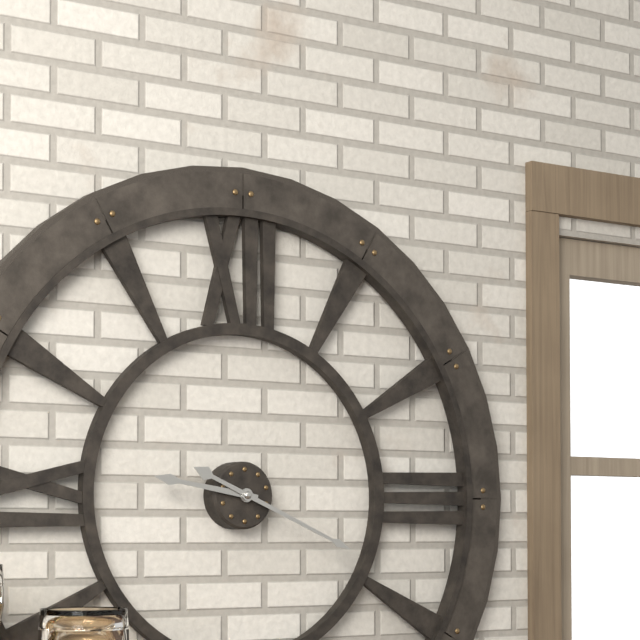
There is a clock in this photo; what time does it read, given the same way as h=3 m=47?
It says h=9 m=19
